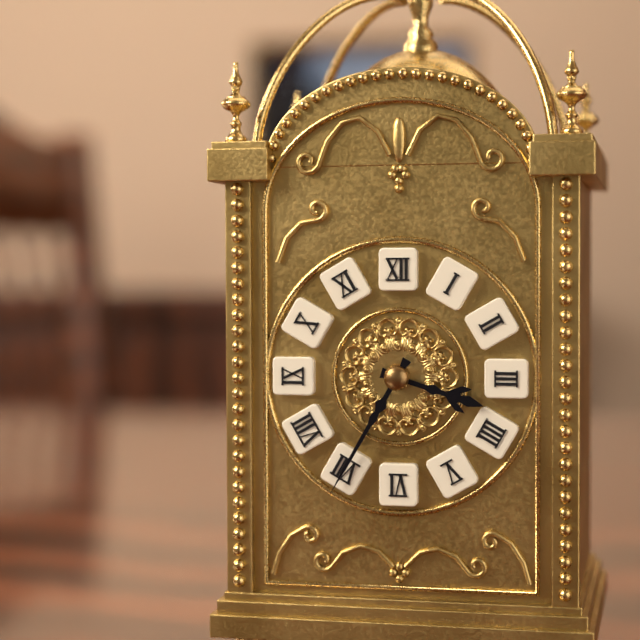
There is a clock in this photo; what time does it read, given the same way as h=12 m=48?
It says h=3 m=35
